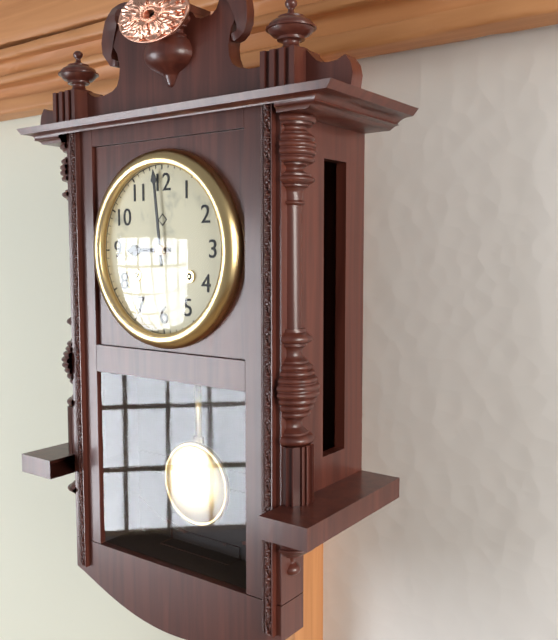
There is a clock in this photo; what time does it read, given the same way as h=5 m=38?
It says h=8 m=59
